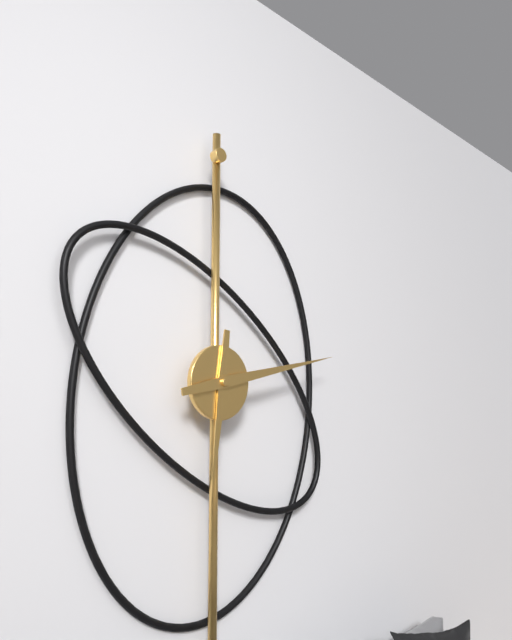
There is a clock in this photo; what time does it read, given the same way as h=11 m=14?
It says h=6 m=13
